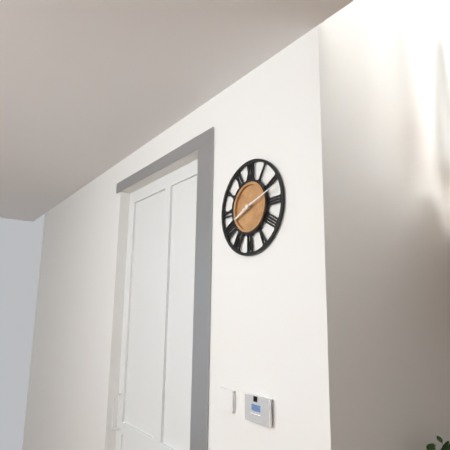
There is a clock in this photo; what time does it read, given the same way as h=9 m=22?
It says h=8 m=12
